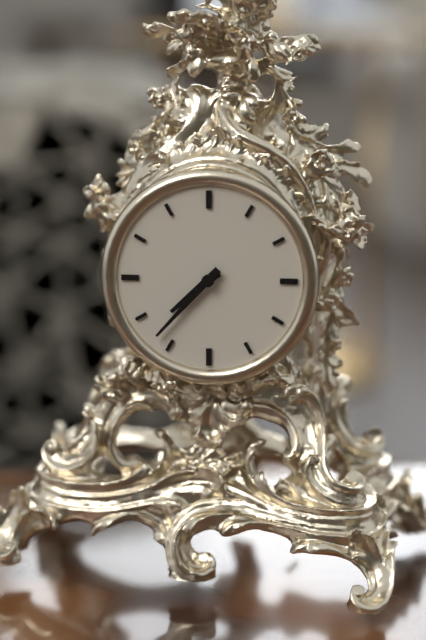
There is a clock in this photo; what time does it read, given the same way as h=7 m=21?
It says h=7 m=37
